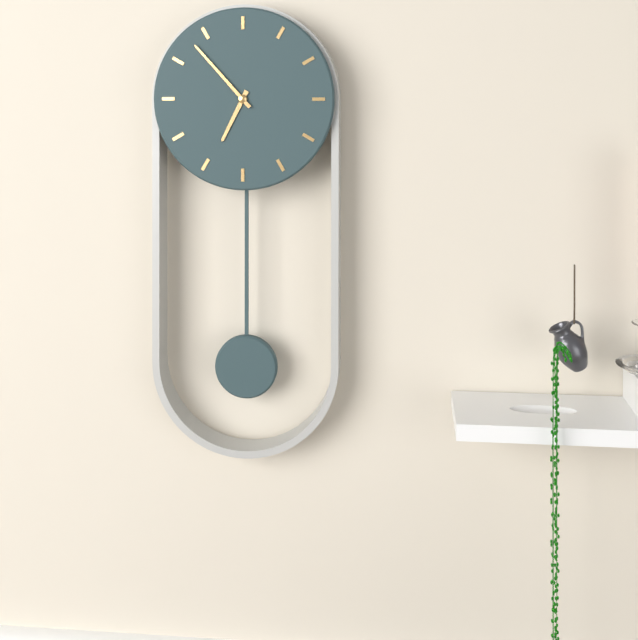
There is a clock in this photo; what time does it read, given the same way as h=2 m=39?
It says h=6 m=53
